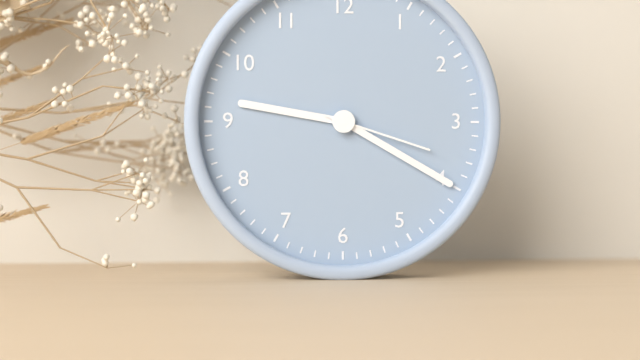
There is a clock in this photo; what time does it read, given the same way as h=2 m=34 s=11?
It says h=9 m=20 s=18
